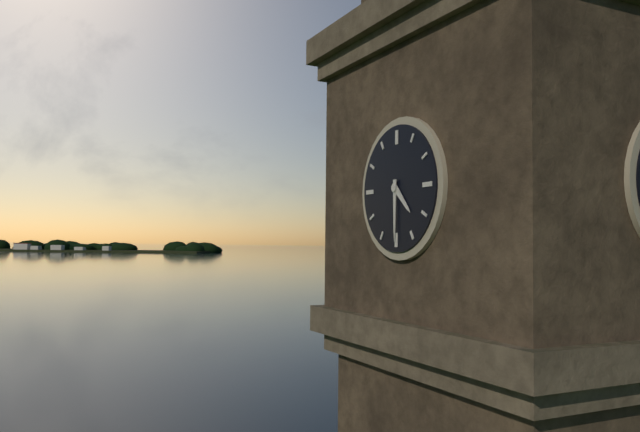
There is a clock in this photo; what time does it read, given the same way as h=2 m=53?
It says h=4 m=30
